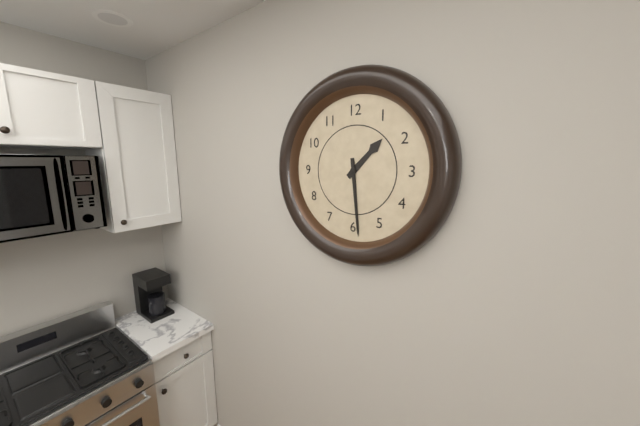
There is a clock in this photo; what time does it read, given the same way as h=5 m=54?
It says h=1 m=29
